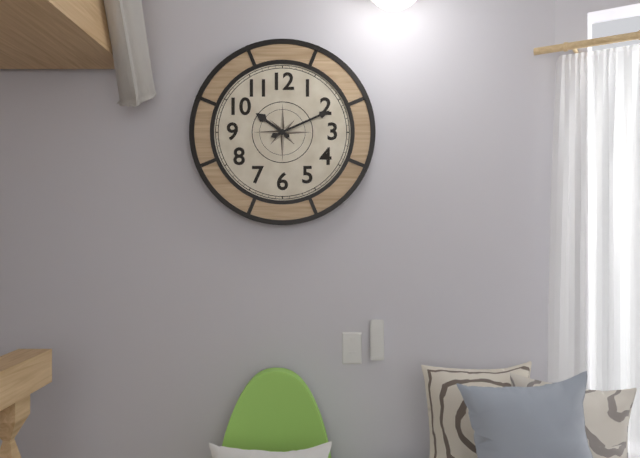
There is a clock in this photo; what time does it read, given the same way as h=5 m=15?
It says h=10 m=11
